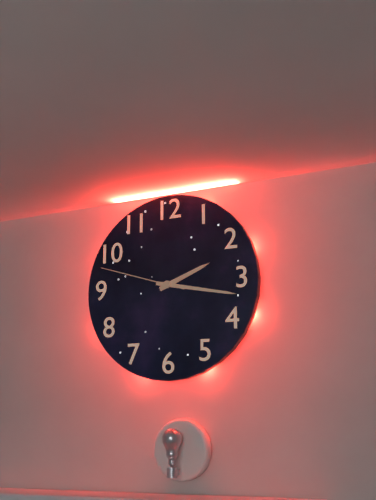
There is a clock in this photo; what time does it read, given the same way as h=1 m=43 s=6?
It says h=2 m=17 s=48
